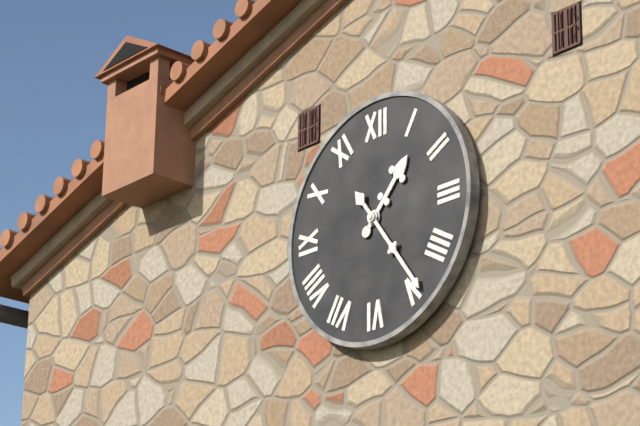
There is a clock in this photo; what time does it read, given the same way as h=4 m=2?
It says h=1 m=24
